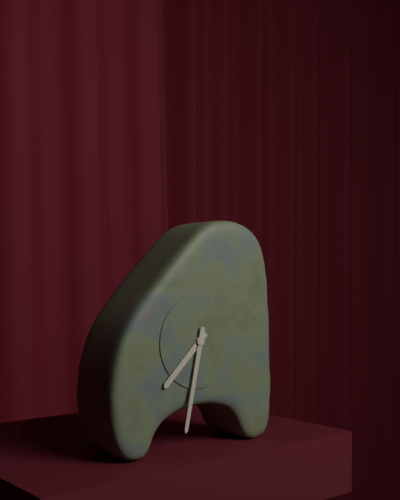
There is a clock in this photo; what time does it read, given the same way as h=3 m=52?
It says h=7 m=32
